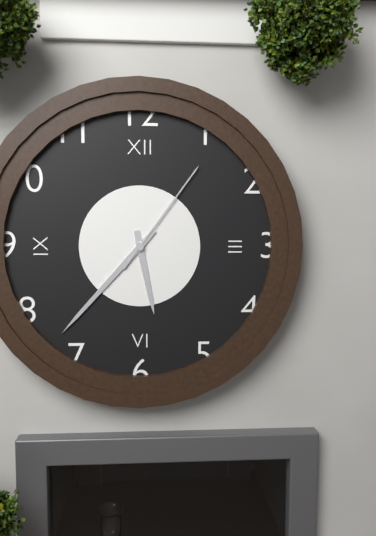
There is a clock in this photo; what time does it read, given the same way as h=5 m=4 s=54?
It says h=5 m=37 s=6
